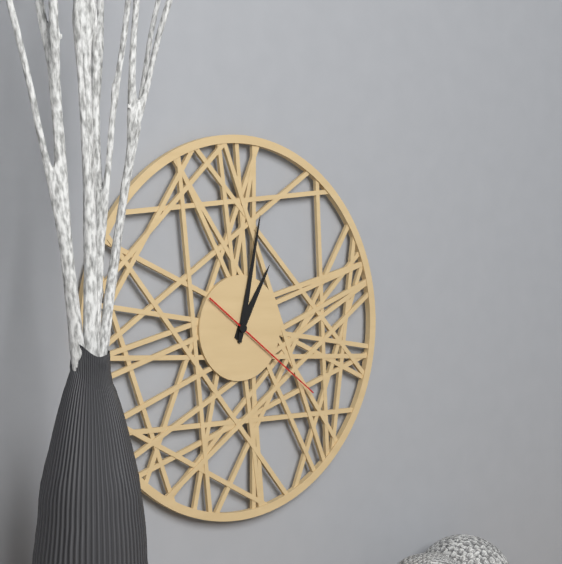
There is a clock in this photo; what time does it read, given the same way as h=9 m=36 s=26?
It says h=1 m=2 s=21
